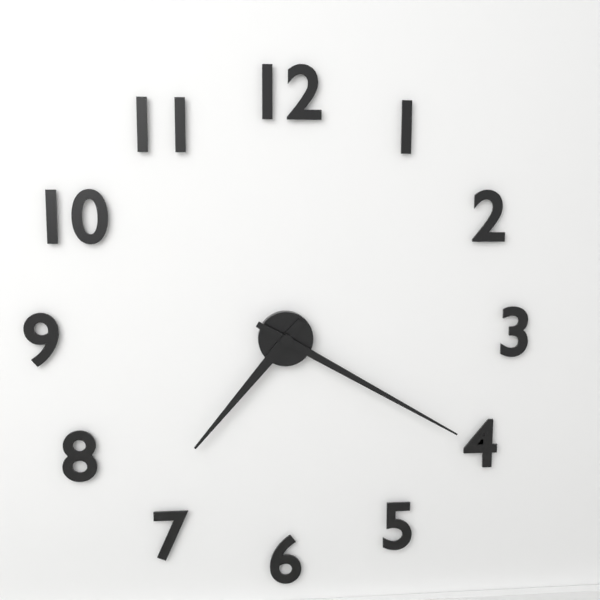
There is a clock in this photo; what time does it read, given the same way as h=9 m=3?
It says h=7 m=20
